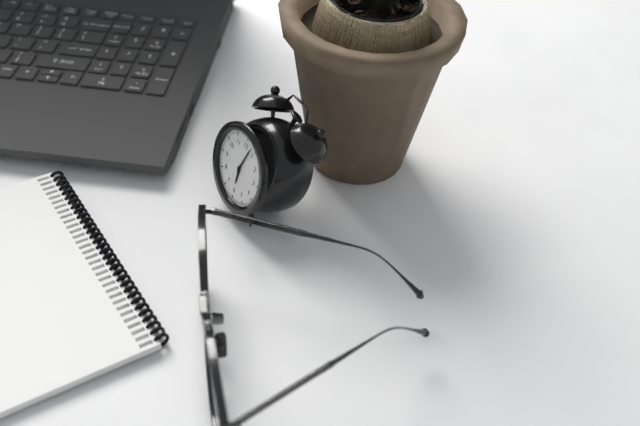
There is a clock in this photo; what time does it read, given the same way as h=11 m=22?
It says h=6 m=3
